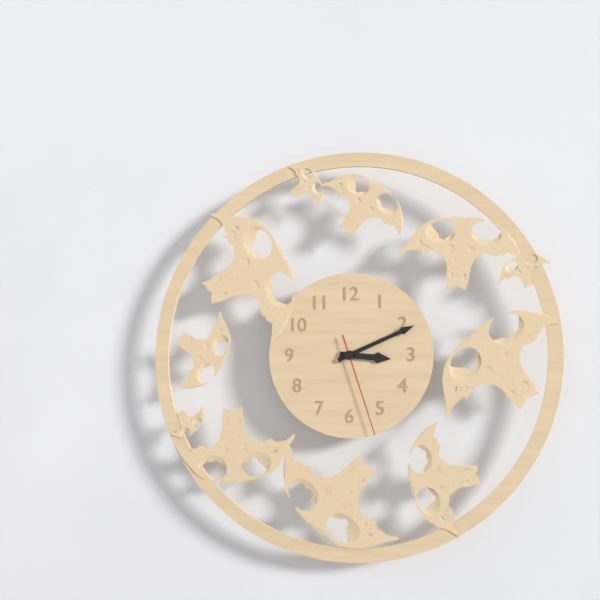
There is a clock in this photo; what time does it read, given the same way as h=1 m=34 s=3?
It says h=3 m=11 s=27
